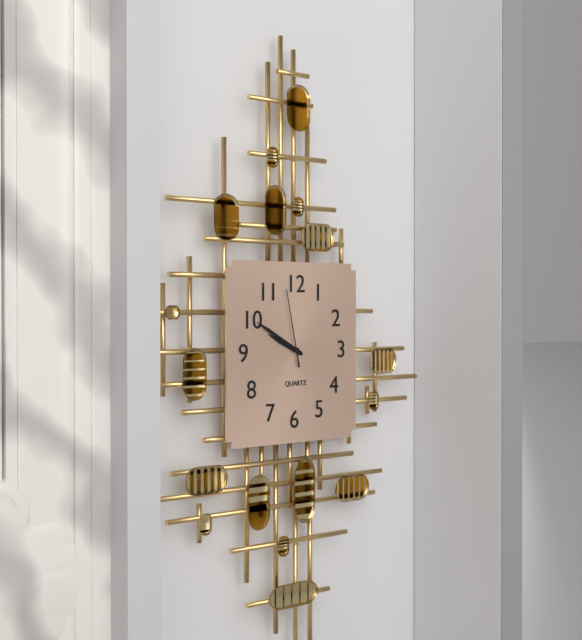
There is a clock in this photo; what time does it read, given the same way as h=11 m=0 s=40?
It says h=9 m=50 s=58
